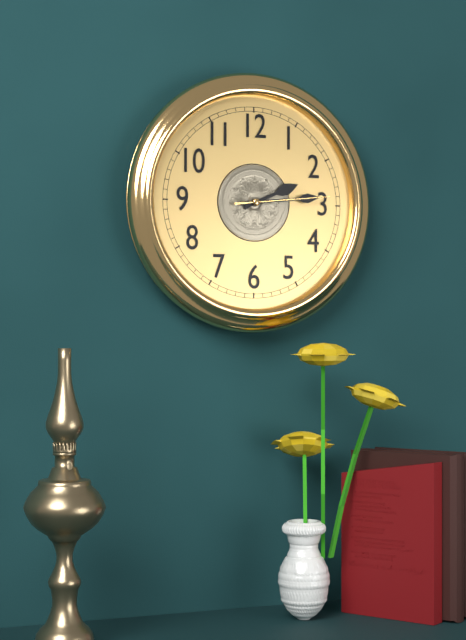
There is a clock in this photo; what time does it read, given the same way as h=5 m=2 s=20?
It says h=2 m=14 s=14
